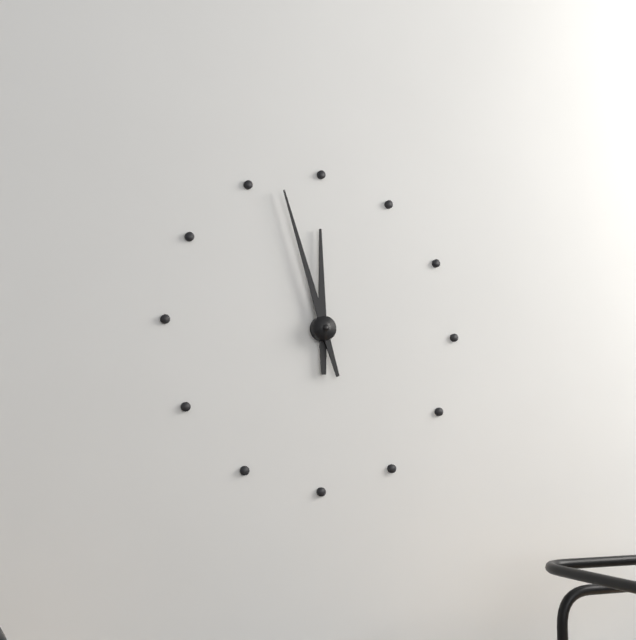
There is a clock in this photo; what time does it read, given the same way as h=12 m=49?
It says h=11 m=57
